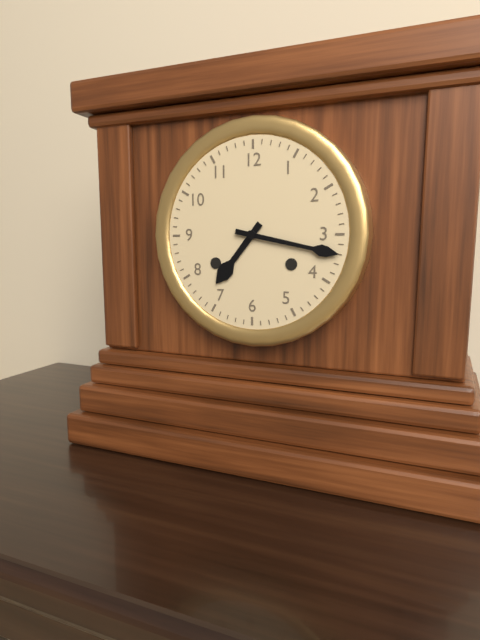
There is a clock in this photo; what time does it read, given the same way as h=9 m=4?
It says h=7 m=17
